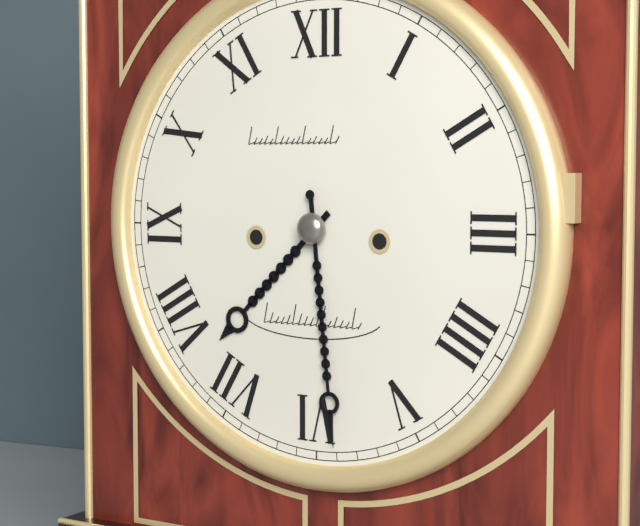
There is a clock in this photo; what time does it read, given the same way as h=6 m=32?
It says h=7 m=29
